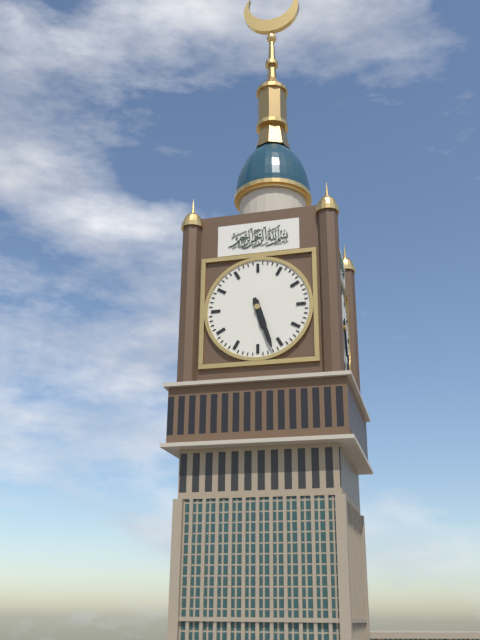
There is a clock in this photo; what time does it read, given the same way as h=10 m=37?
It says h=5 m=27
